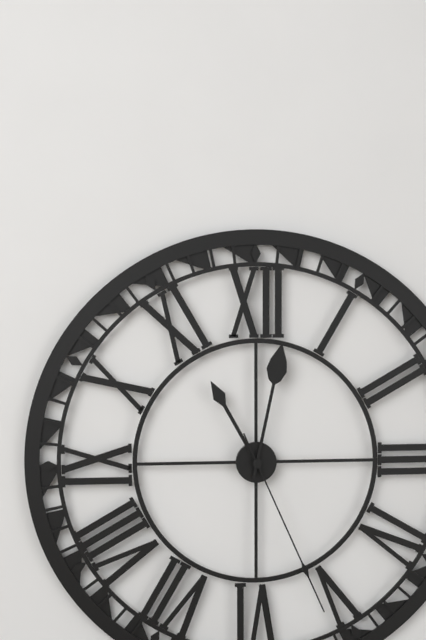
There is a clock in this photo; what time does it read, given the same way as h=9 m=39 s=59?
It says h=11 m=2 s=26
